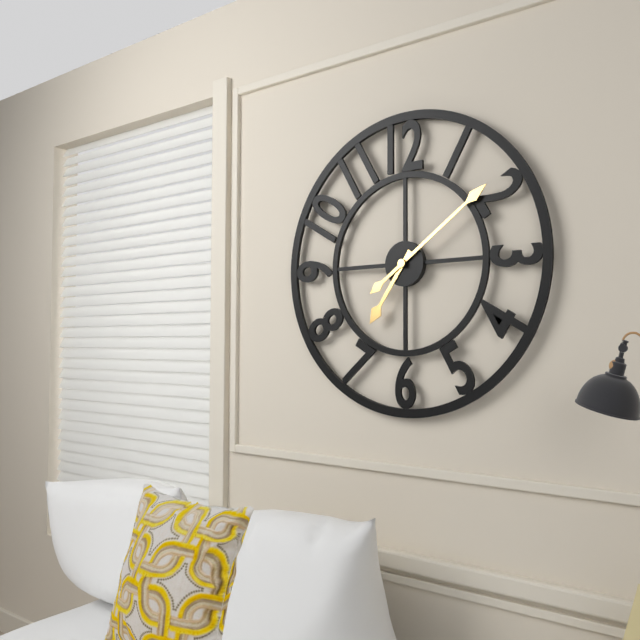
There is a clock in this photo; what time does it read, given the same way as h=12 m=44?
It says h=7 m=9
